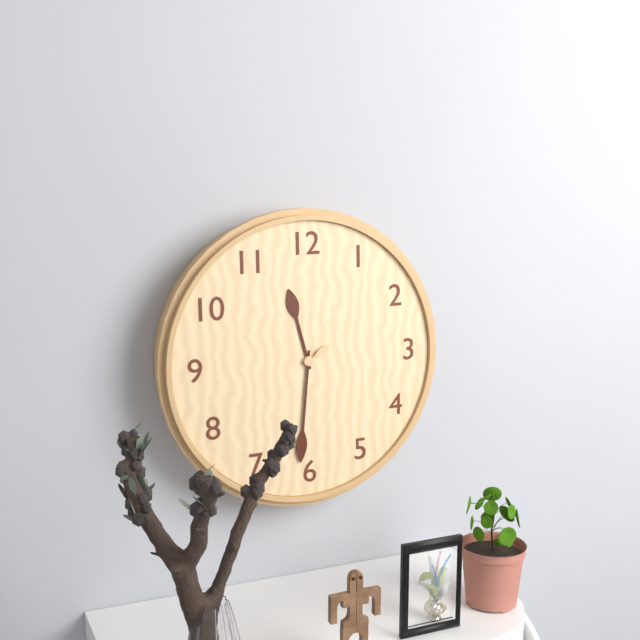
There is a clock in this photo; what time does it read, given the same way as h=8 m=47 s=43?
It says h=11 m=31 s=10
